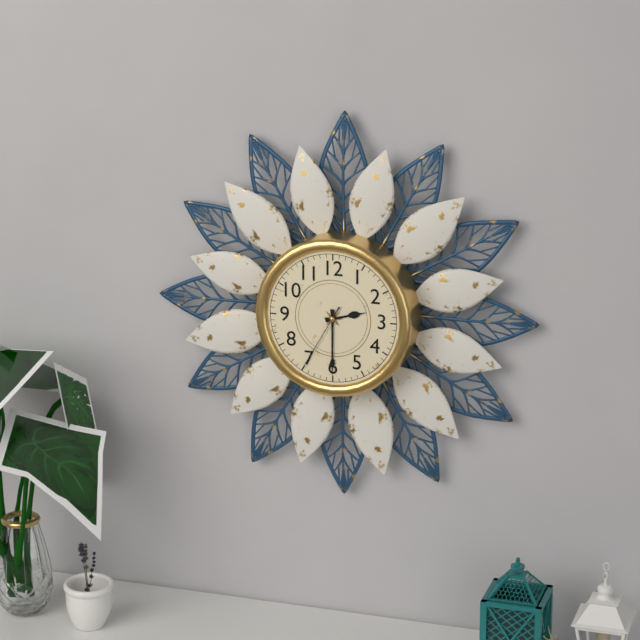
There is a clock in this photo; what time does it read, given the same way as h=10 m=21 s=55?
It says h=2 m=30 s=35
